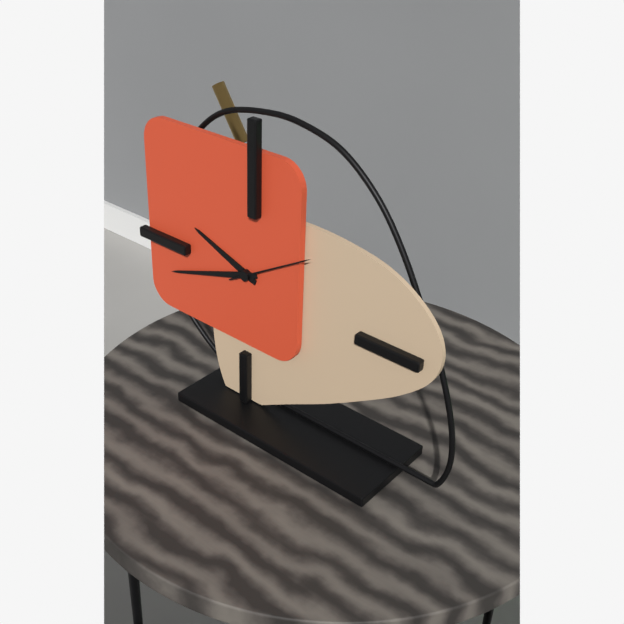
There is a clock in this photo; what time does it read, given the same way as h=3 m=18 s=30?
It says h=9 m=42 s=10
